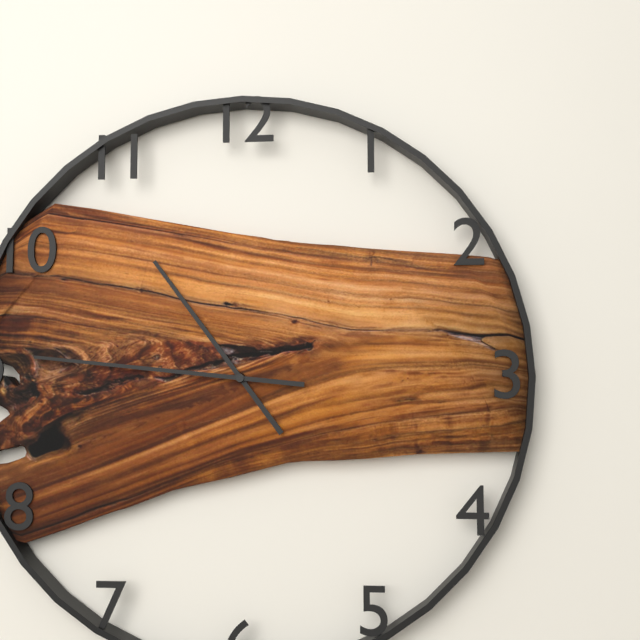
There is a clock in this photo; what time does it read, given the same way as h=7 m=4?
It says h=10 m=46
